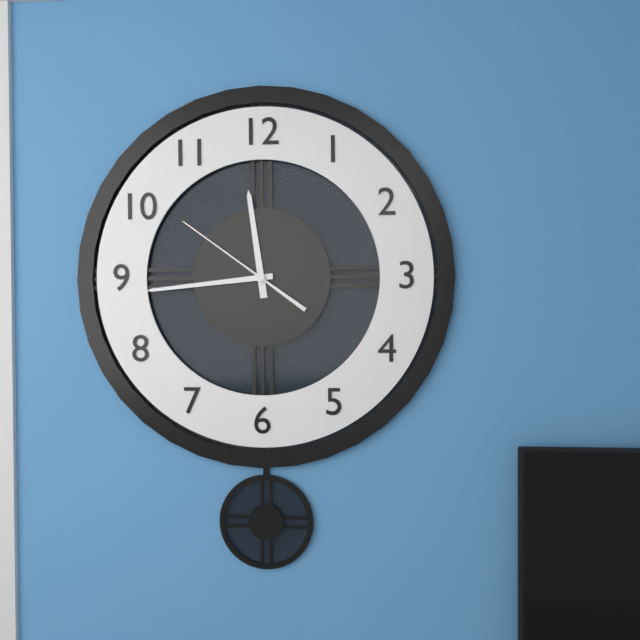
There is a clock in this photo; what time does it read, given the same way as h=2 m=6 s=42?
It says h=11 m=44 s=51
